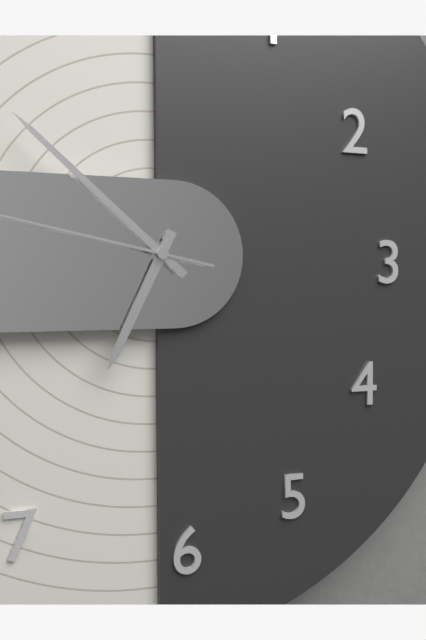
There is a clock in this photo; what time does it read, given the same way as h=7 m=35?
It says h=6 m=52
